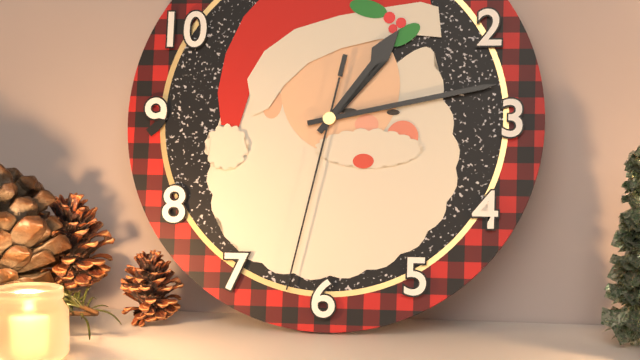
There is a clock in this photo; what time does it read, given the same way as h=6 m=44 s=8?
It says h=1 m=13 s=32
